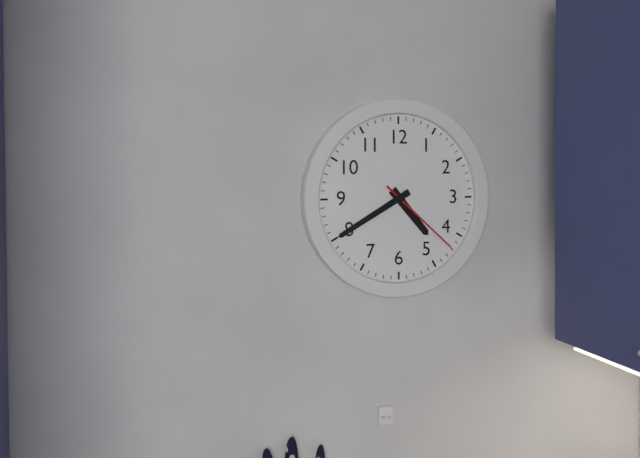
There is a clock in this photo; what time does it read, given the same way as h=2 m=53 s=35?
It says h=4 m=40 s=22
